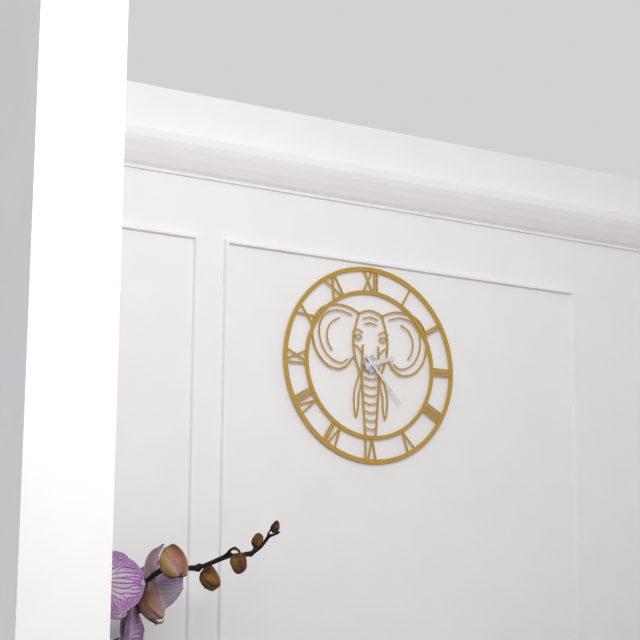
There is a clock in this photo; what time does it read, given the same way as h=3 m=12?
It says h=2 m=23
